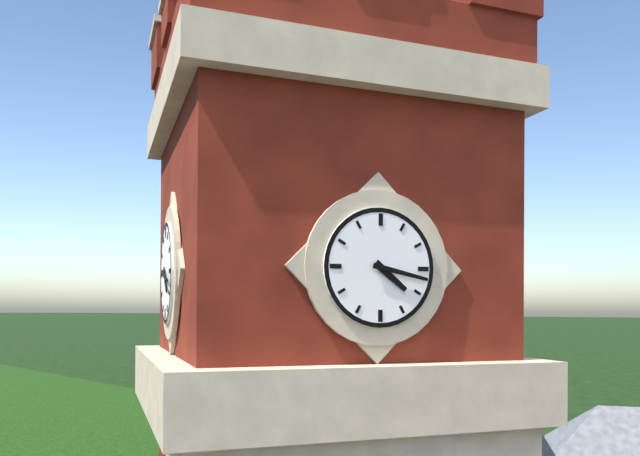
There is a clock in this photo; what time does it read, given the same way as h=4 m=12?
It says h=4 m=17
